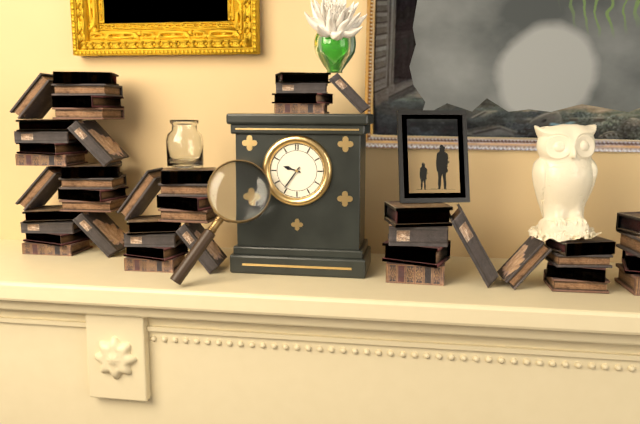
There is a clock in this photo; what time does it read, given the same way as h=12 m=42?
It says h=9 m=36
